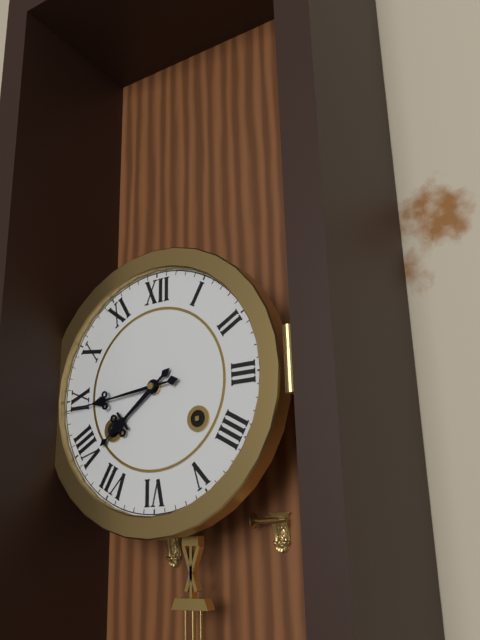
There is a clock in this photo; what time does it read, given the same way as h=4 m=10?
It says h=7 m=44
